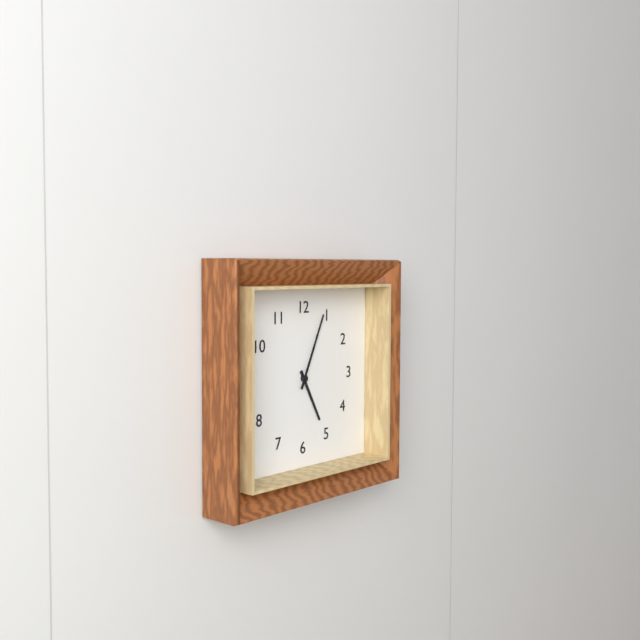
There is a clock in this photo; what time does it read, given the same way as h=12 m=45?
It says h=5 m=4
